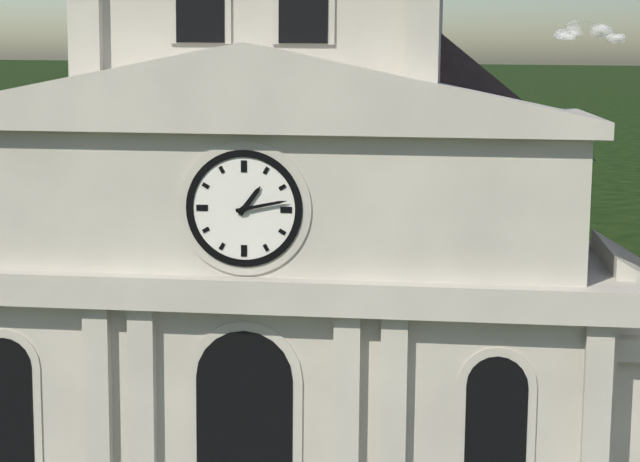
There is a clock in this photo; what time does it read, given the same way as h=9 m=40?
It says h=1 m=13
